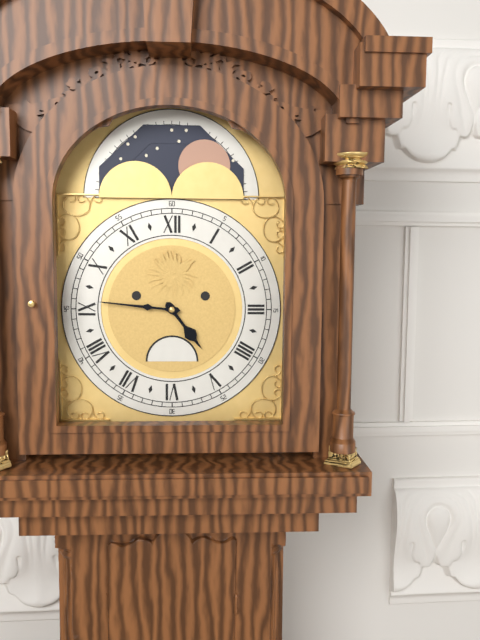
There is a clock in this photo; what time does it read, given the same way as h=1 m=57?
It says h=4 m=46
